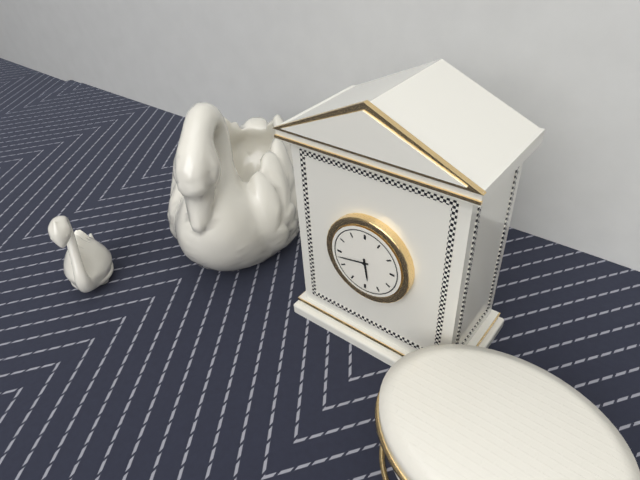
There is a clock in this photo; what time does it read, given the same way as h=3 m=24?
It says h=5 m=43
